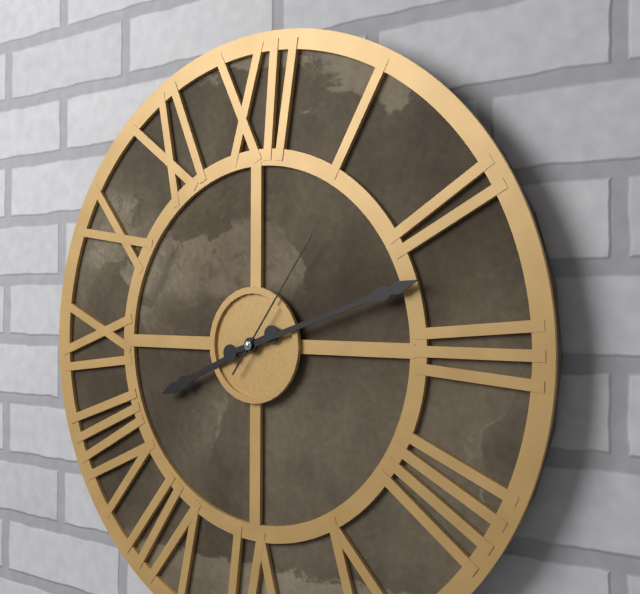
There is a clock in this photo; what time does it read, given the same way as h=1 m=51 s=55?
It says h=8 m=12 s=6
